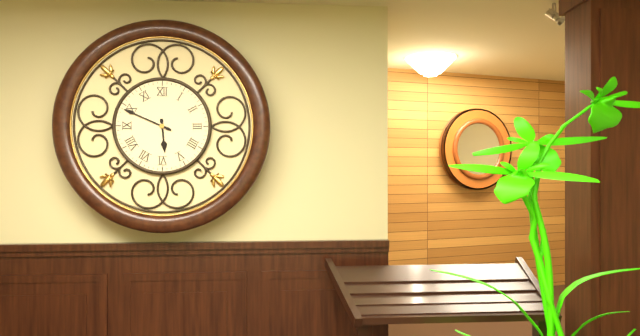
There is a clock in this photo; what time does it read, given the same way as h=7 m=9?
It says h=5 m=49
